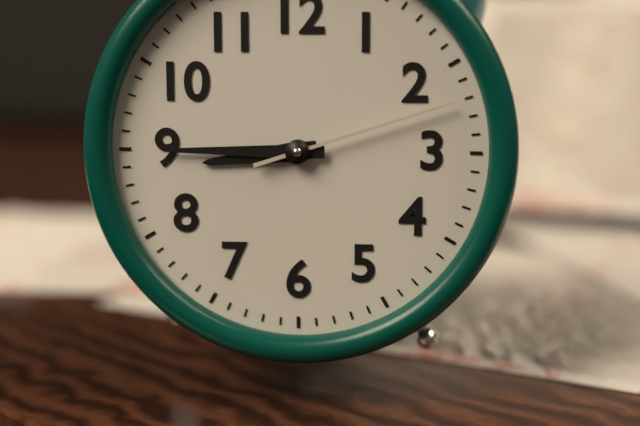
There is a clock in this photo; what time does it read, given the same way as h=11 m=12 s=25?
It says h=8 m=45 s=12
